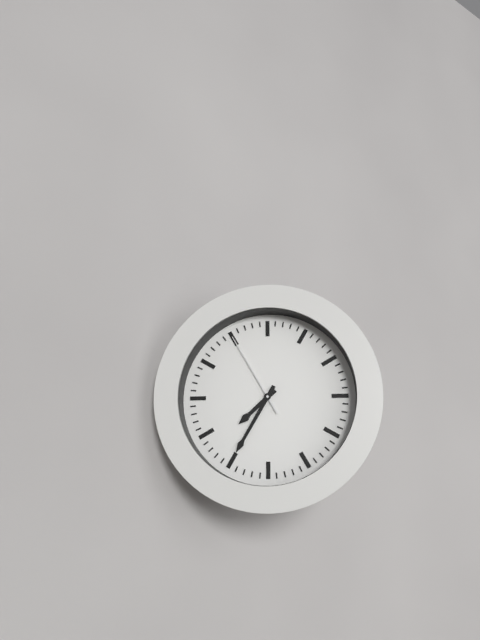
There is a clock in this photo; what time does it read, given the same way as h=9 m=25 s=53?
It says h=7 m=35 s=55
